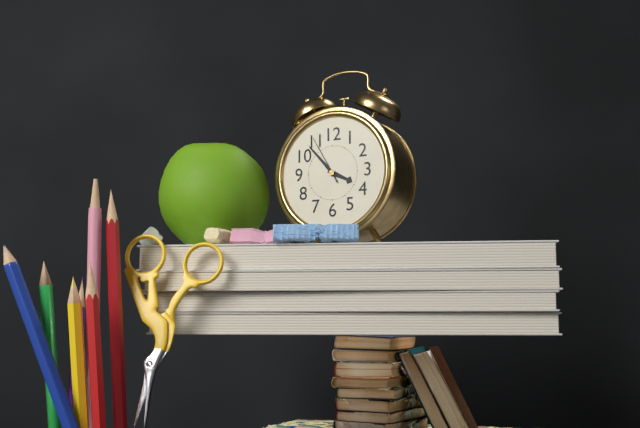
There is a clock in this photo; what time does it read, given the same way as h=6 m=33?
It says h=3 m=53
